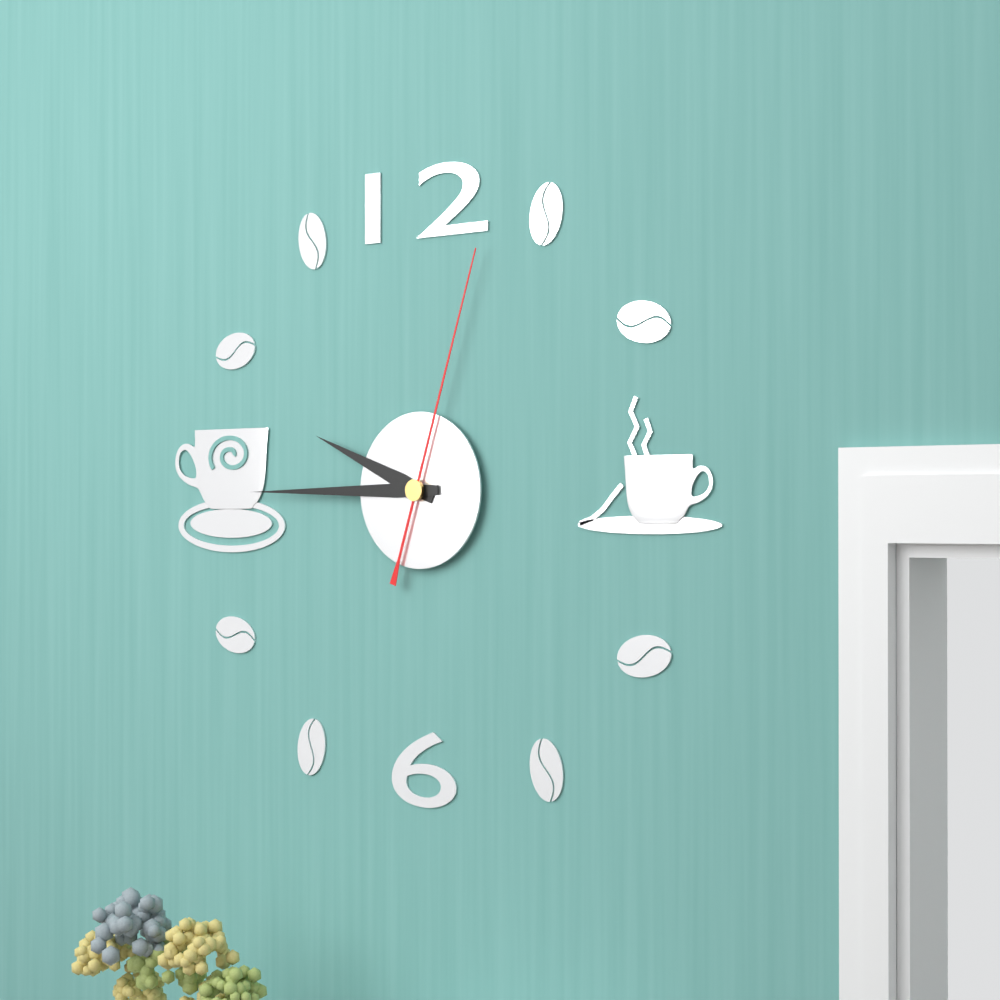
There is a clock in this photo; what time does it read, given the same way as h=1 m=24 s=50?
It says h=9 m=45 s=3
